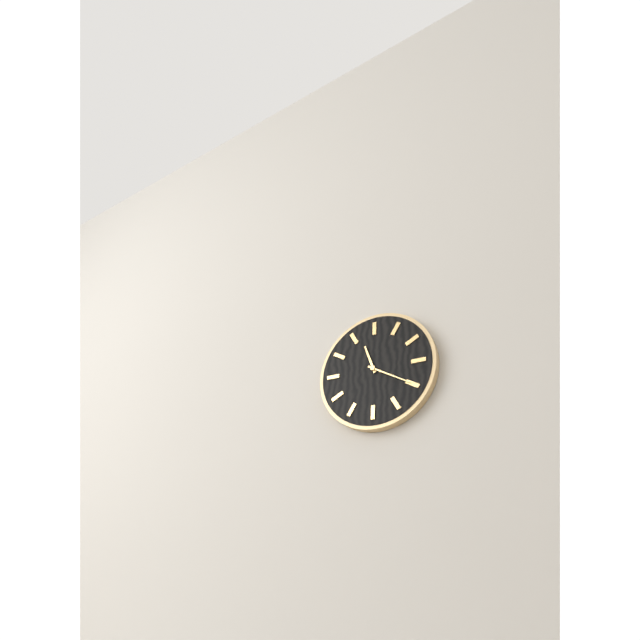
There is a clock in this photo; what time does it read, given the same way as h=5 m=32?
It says h=11 m=20
